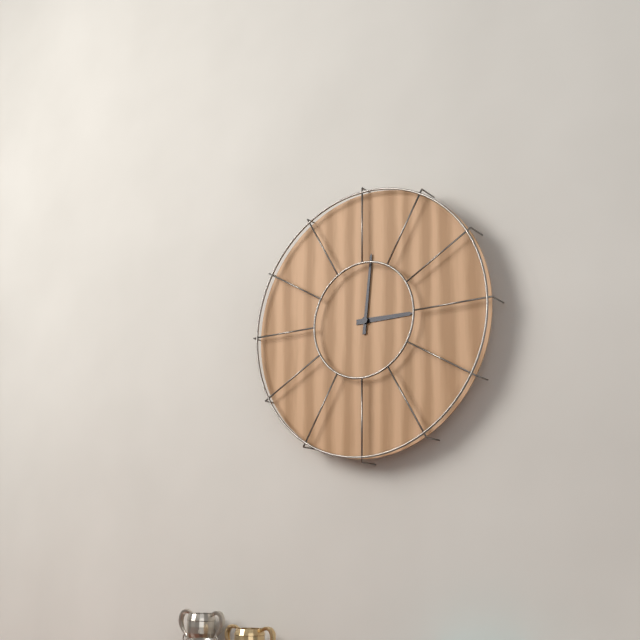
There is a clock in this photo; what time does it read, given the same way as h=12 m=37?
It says h=3 m=1
